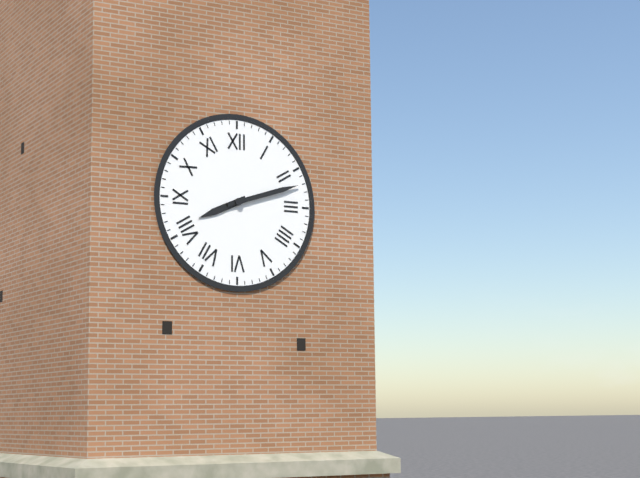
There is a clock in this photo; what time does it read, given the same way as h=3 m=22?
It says h=8 m=12
